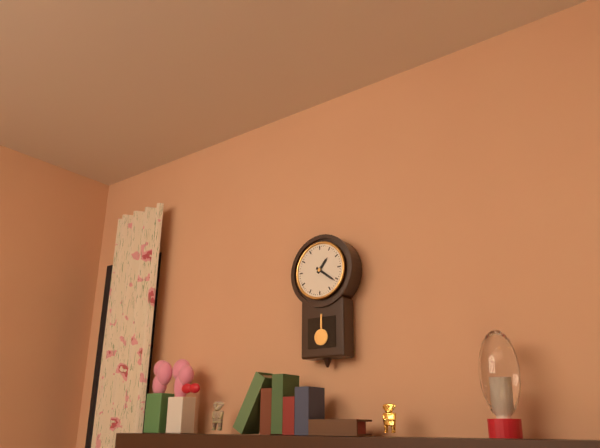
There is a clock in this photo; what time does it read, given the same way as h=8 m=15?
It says h=1 m=21
